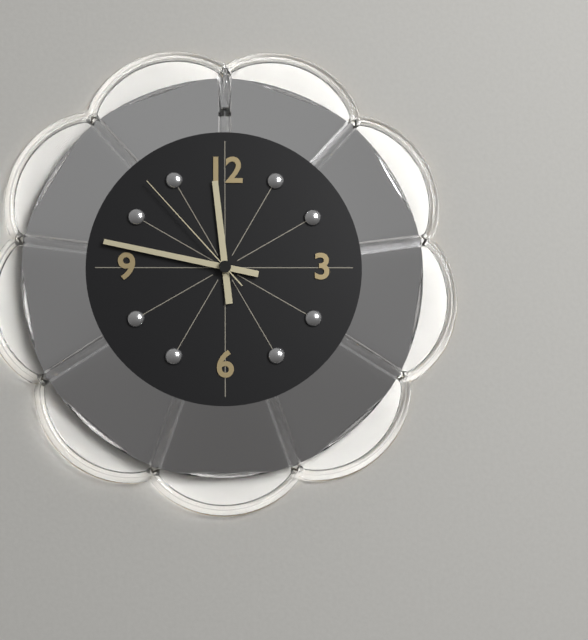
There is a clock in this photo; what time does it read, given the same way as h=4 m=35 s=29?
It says h=11 m=47 s=53
